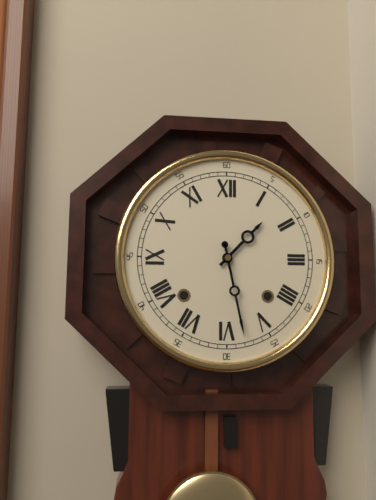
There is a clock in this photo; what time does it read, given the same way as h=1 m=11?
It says h=1 m=28
